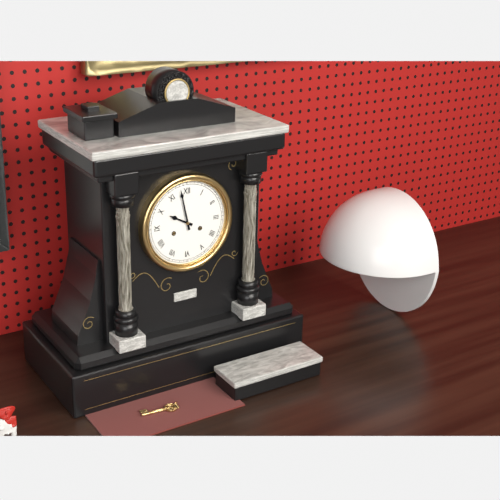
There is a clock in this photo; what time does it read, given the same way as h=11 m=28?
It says h=9 m=58
